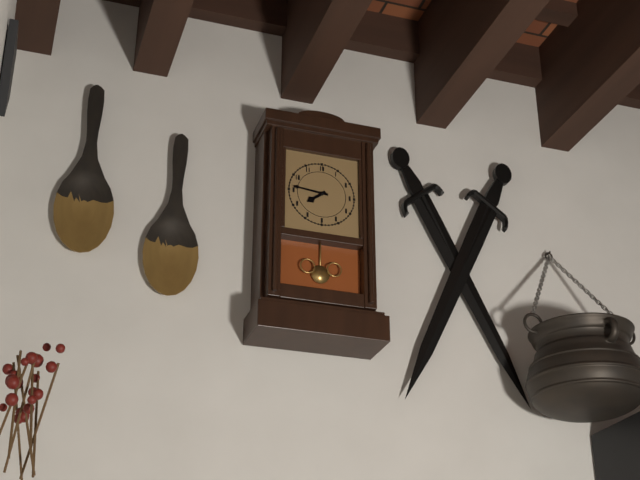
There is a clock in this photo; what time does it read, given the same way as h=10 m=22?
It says h=7 m=46
